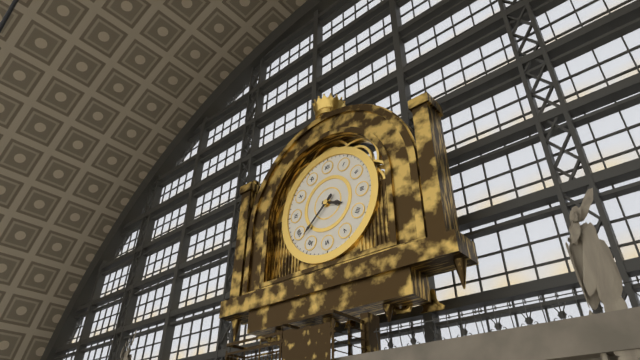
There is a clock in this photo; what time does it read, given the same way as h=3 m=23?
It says h=3 m=38
